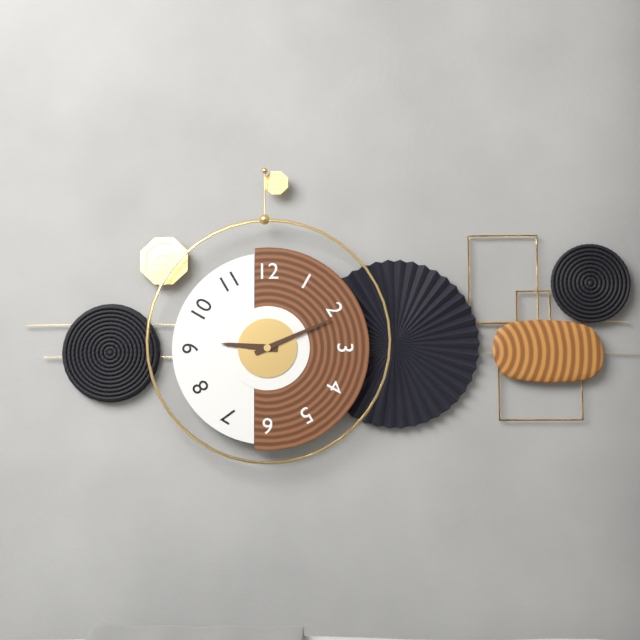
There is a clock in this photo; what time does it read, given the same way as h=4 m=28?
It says h=9 m=11
